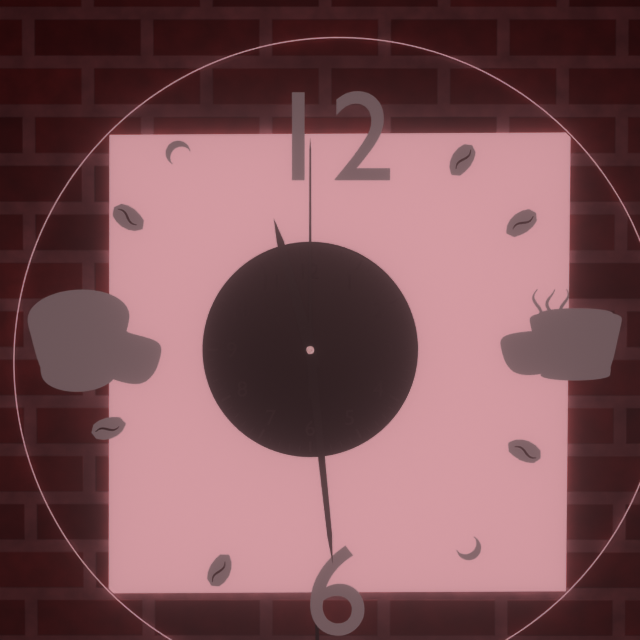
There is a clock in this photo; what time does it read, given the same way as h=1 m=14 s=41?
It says h=11 m=29 s=0
